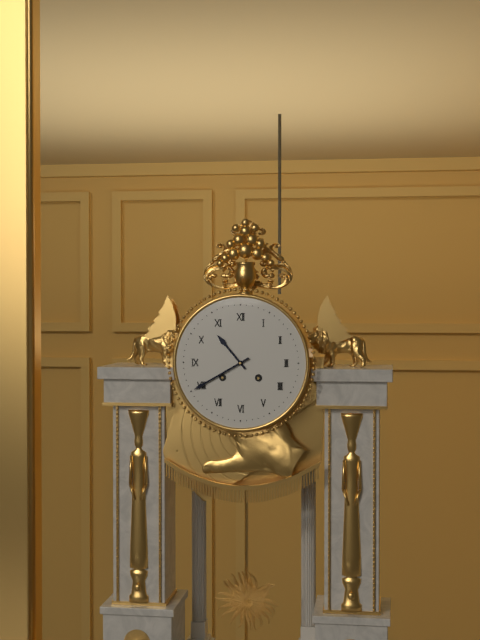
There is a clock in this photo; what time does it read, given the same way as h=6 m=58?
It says h=10 m=40
